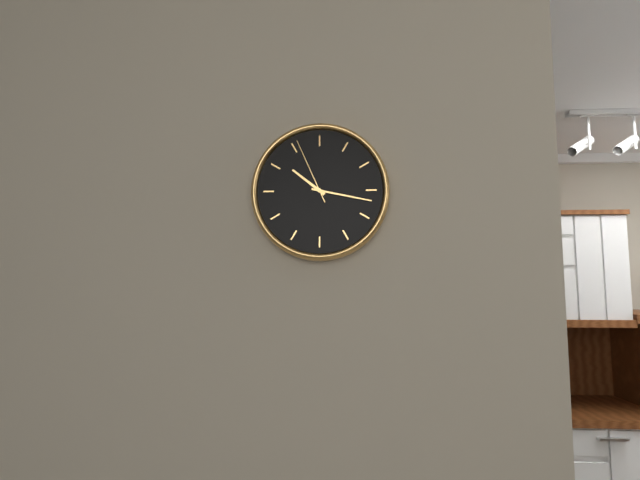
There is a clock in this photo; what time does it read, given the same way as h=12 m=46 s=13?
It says h=10 m=17 s=56
